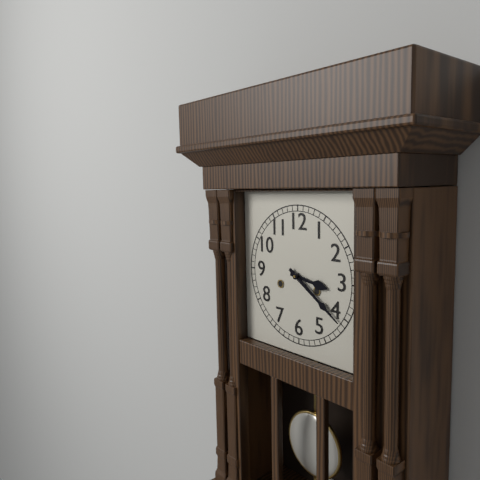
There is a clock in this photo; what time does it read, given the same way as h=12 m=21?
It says h=3 m=21
